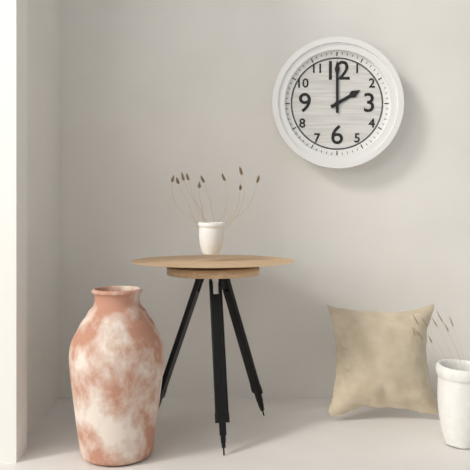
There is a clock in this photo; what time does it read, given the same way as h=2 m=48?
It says h=2 m=0
